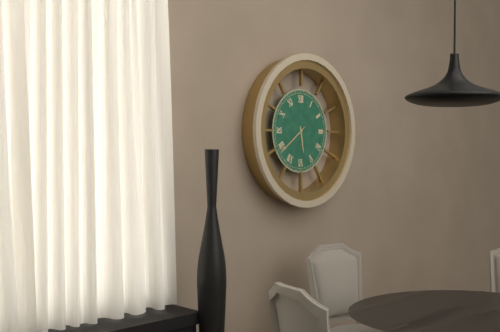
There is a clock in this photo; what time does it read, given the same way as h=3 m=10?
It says h=5 m=39
